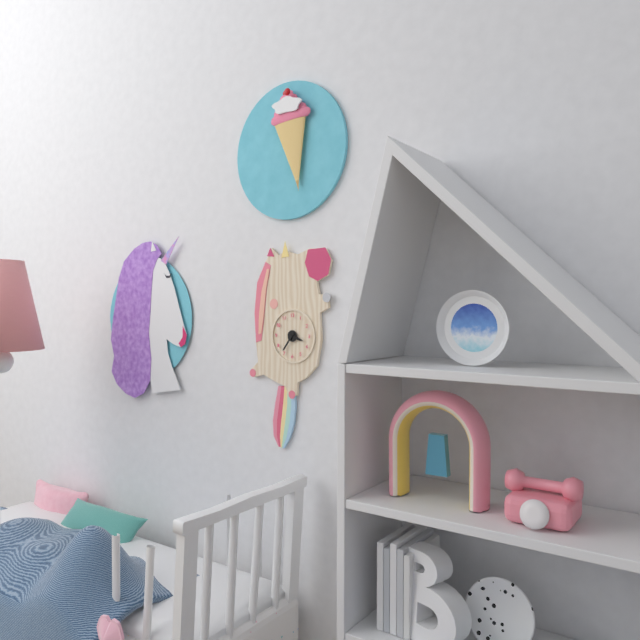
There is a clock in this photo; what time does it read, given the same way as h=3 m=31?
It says h=3 m=36
